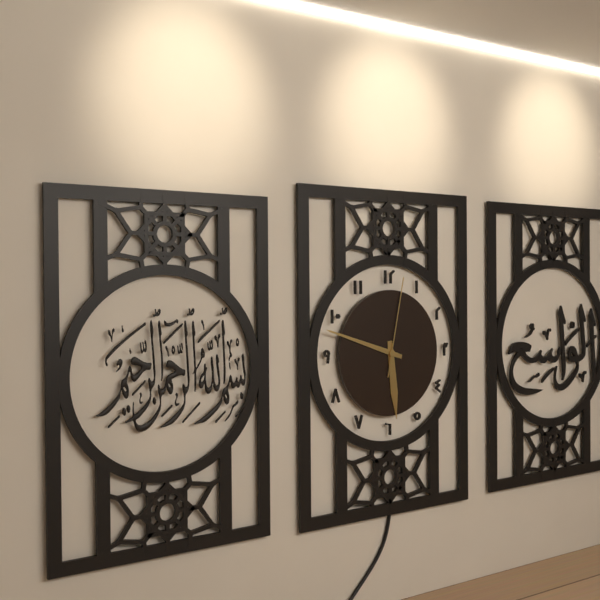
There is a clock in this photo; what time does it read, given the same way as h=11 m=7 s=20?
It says h=5 m=48 s=2
